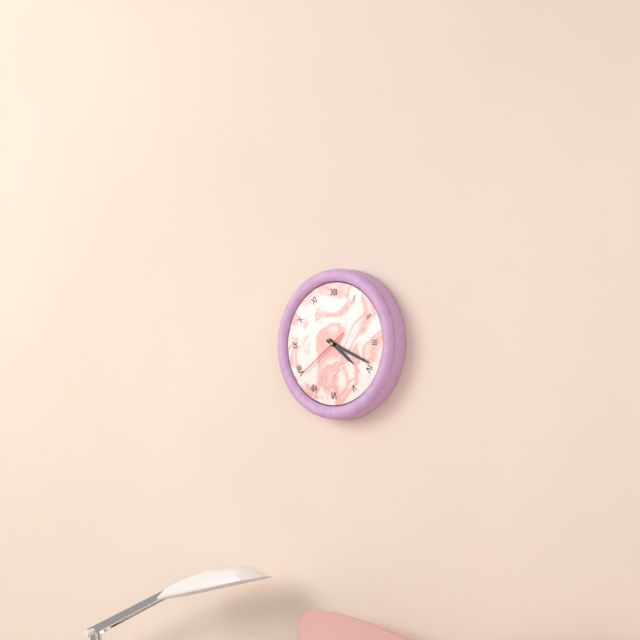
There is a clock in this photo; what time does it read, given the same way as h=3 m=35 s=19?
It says h=4 m=19 s=39
